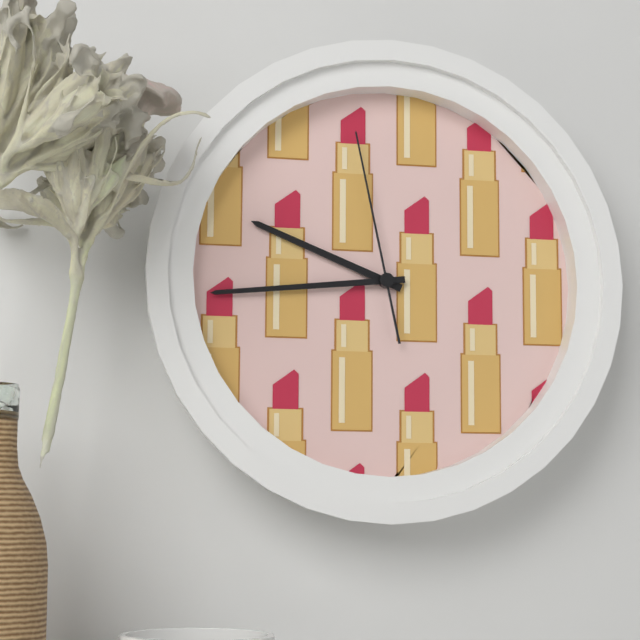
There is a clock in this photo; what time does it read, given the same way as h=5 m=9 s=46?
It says h=9 m=44 s=58
